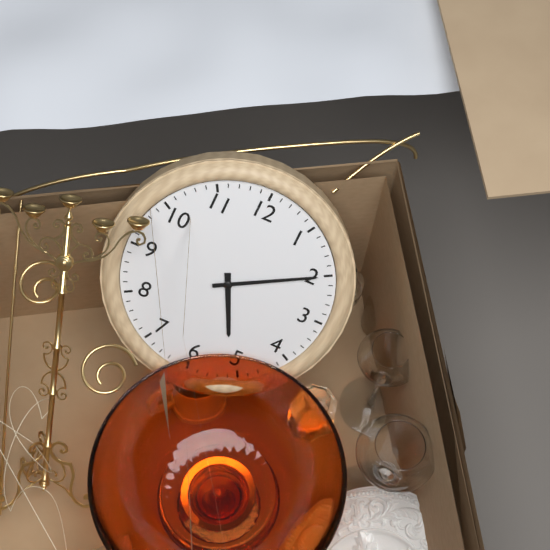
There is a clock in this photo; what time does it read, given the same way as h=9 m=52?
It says h=5 m=10
